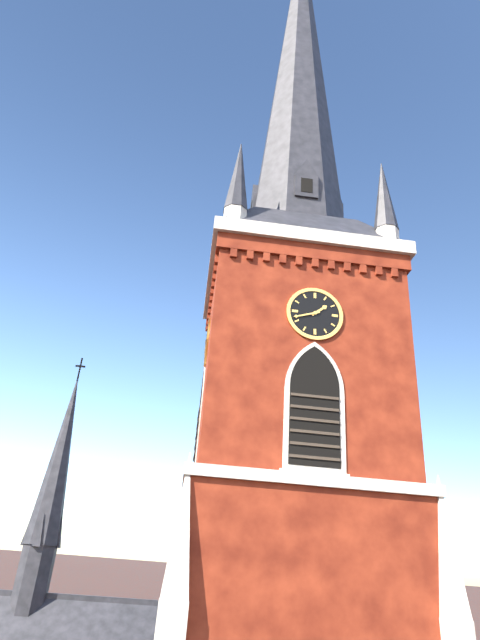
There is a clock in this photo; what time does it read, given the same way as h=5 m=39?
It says h=1 m=42
